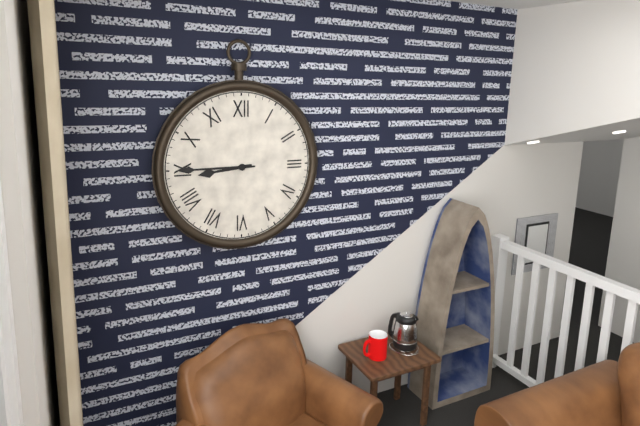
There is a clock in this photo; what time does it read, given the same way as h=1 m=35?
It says h=8 m=45
